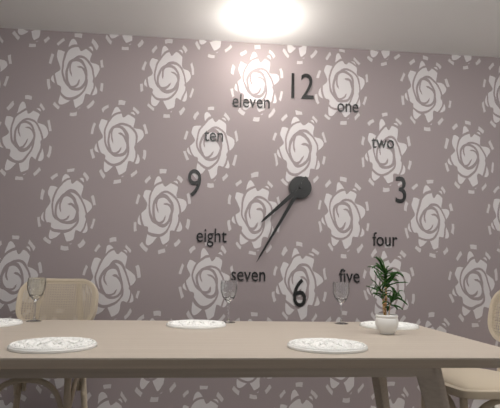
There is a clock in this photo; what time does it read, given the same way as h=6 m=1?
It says h=7 m=35
